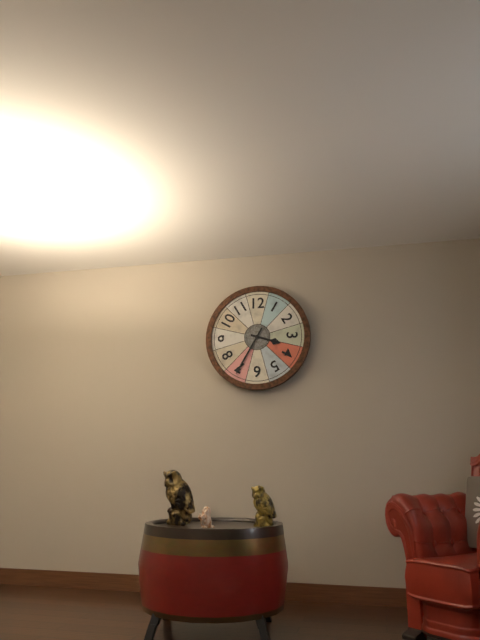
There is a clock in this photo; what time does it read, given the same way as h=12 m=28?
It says h=3 m=35
